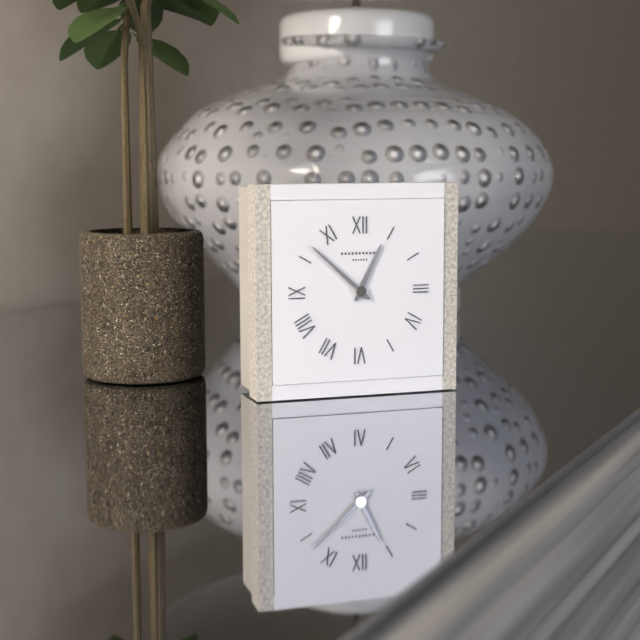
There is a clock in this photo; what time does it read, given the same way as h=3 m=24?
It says h=12 m=52
